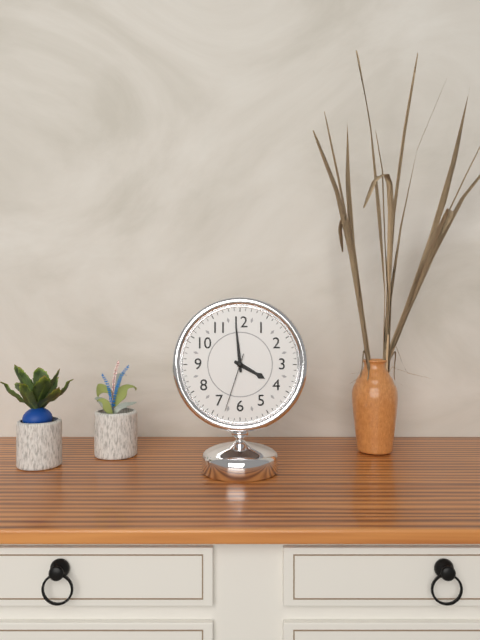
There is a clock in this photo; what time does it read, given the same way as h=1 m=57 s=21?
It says h=3 m=59 s=33
